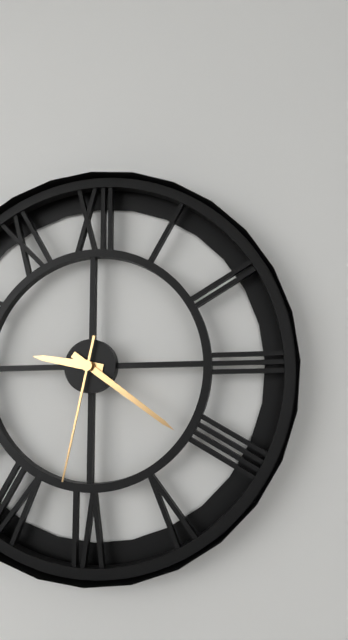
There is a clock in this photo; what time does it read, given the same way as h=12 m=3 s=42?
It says h=9 m=21 s=32
